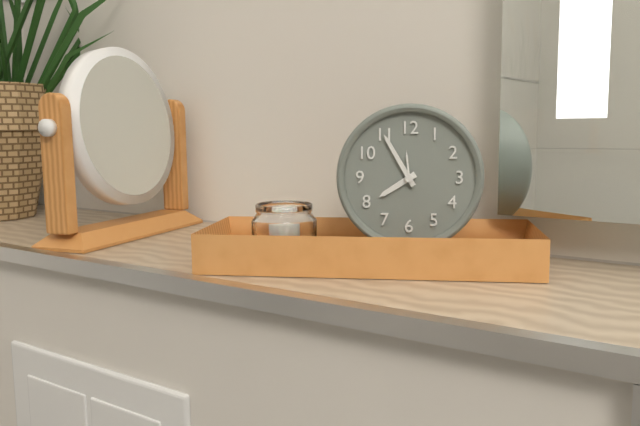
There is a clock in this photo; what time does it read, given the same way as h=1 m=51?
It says h=7 m=55
